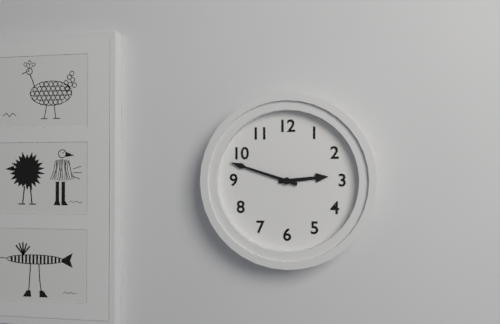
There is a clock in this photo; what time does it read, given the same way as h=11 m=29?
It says h=2 m=48
